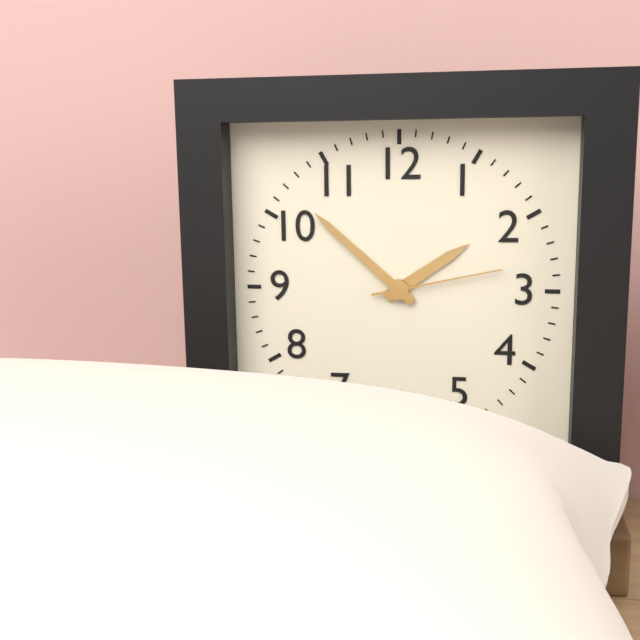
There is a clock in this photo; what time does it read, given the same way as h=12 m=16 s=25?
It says h=1 m=52 s=13
